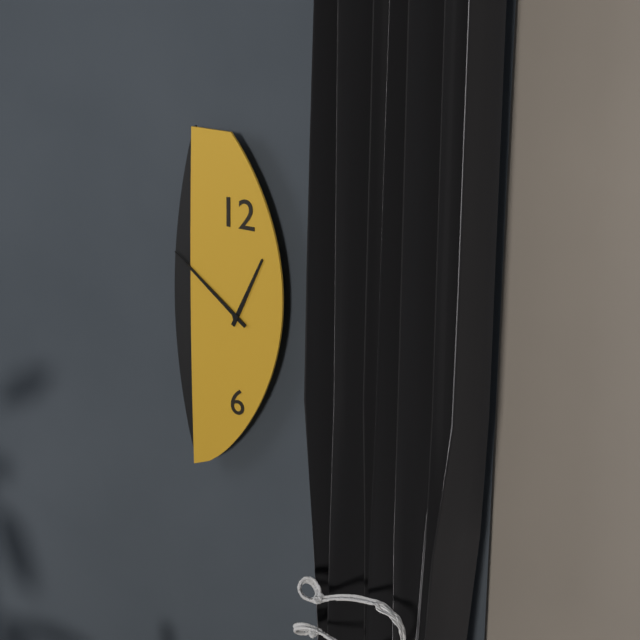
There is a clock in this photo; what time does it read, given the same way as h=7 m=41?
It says h=12 m=51
